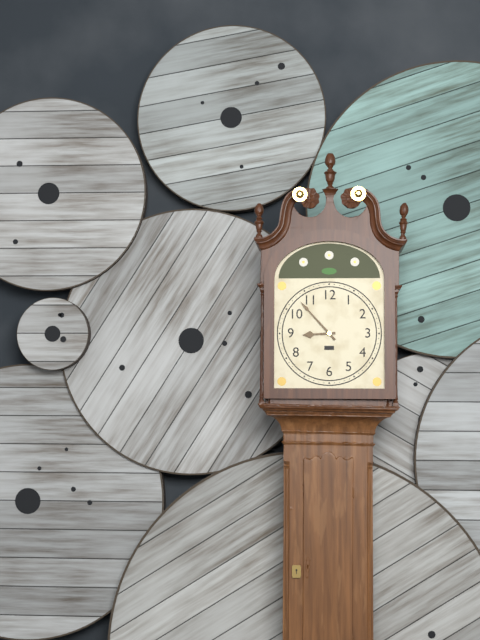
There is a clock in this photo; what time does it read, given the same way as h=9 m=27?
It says h=8 m=53
